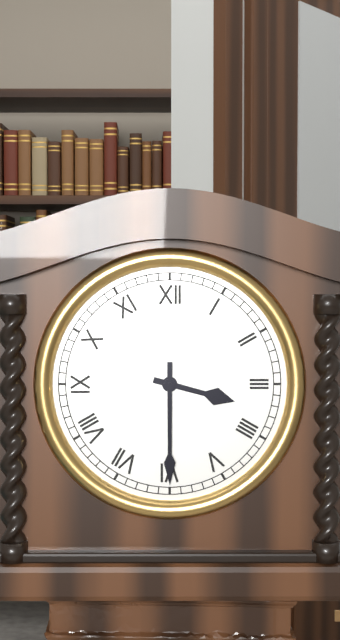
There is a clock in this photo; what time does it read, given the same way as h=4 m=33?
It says h=3 m=30
